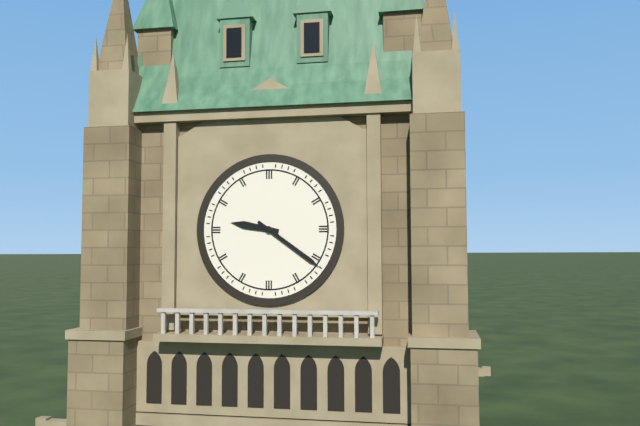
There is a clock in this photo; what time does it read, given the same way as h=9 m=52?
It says h=9 m=21
